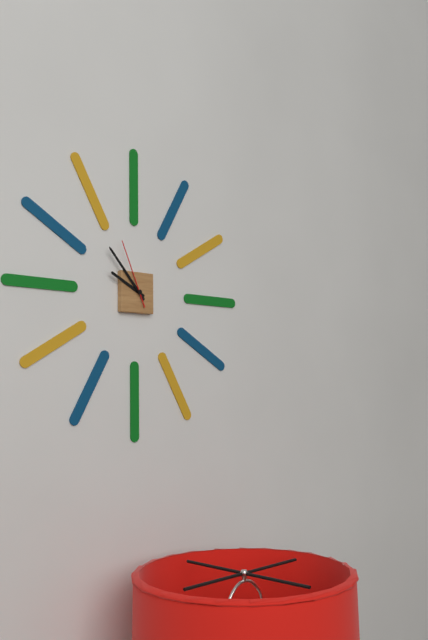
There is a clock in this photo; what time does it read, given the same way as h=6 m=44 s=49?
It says h=9 m=53 s=56
